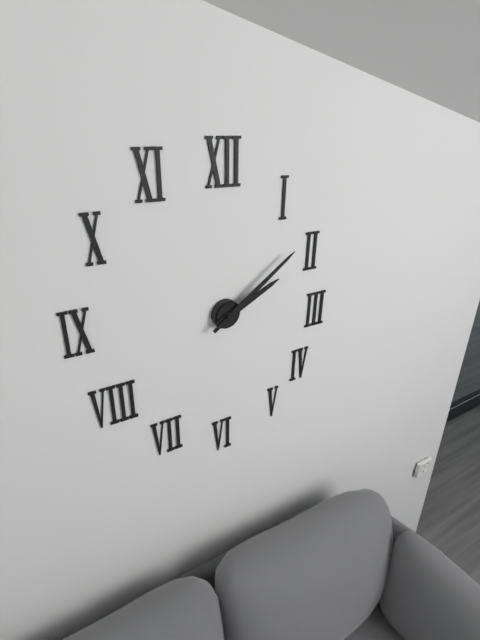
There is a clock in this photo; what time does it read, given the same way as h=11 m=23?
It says h=2 m=9
